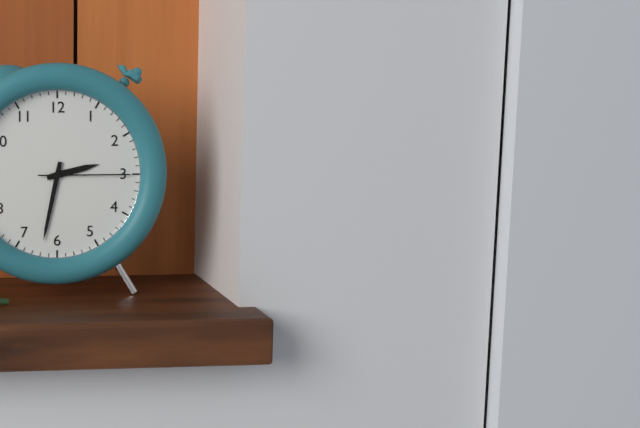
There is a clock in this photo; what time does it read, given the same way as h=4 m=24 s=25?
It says h=2 m=32 s=15
